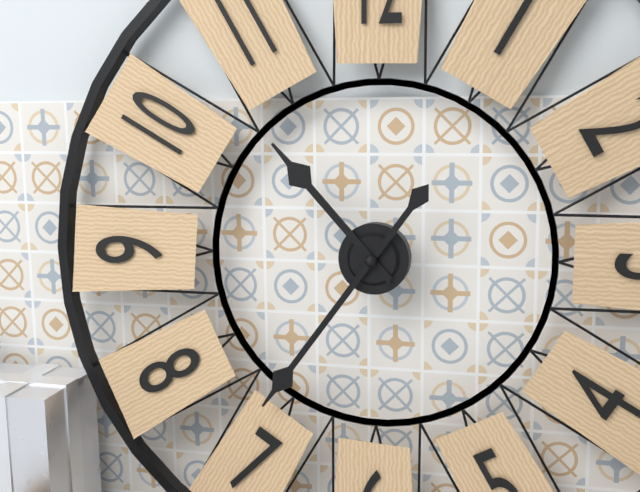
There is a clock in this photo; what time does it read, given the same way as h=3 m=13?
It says h=10 m=36
